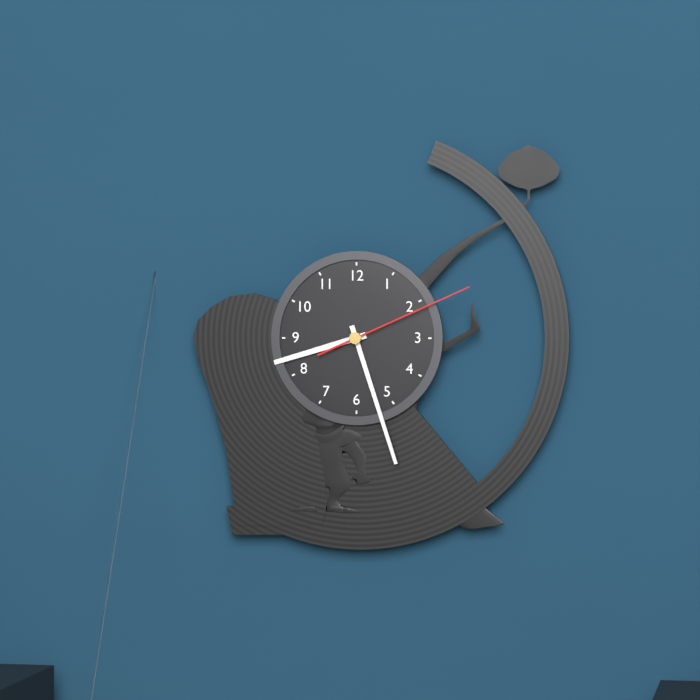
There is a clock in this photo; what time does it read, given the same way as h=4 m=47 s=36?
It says h=8 m=27 s=11
